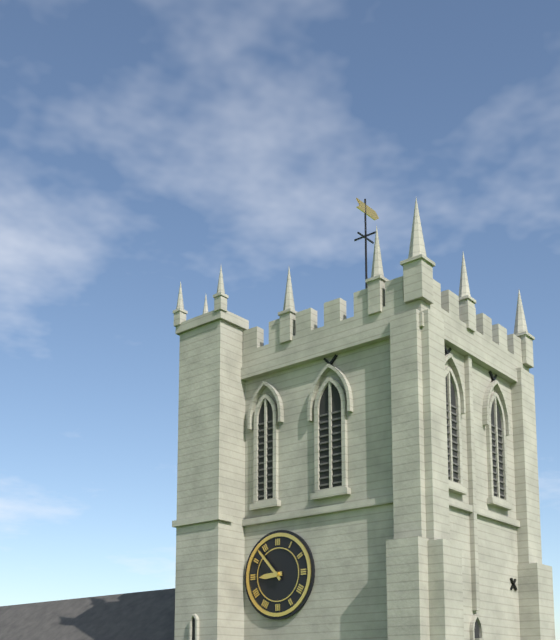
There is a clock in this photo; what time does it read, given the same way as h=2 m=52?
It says h=8 m=53
